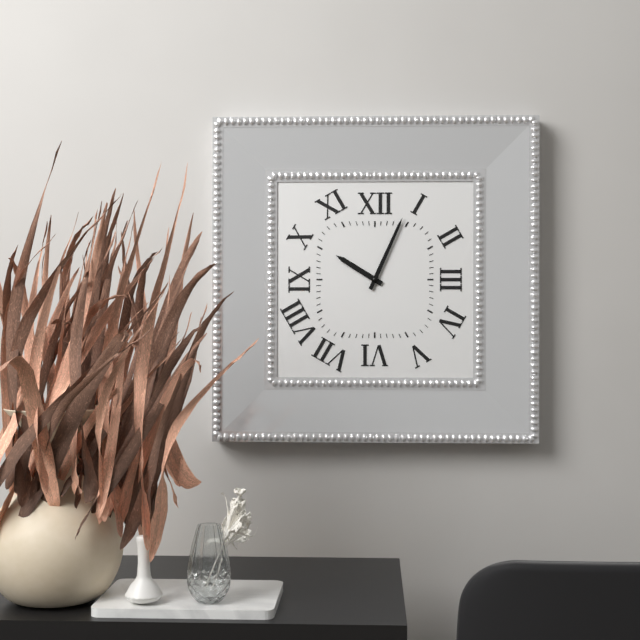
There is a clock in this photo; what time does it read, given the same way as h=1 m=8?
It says h=10 m=4
